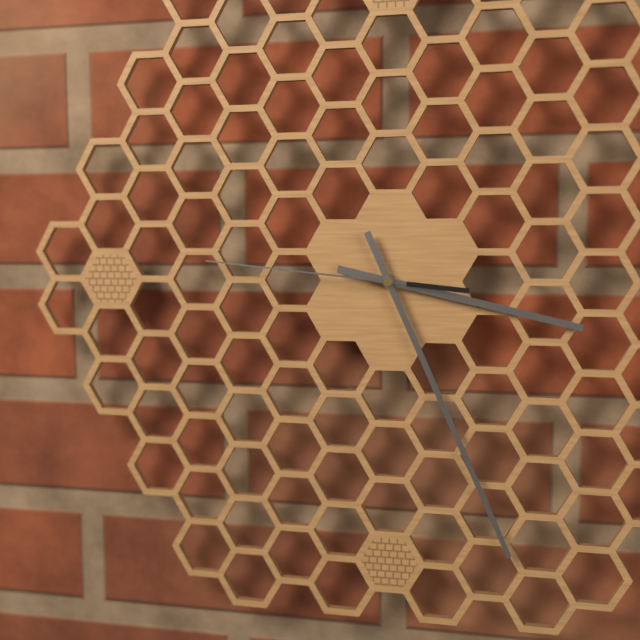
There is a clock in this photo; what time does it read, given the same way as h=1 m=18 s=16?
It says h=3 m=26 s=46
